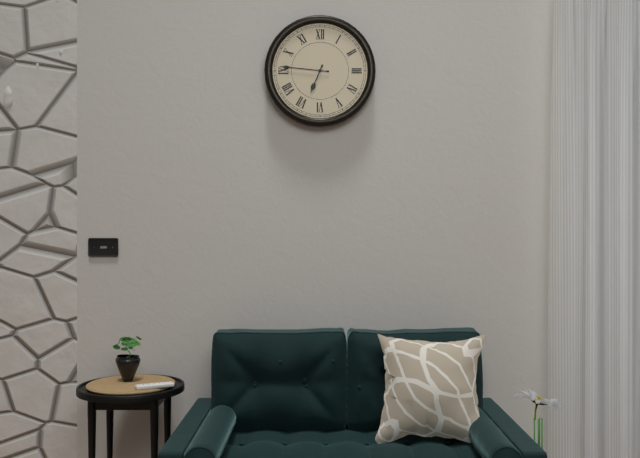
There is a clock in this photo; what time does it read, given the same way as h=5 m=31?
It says h=6 m=46
